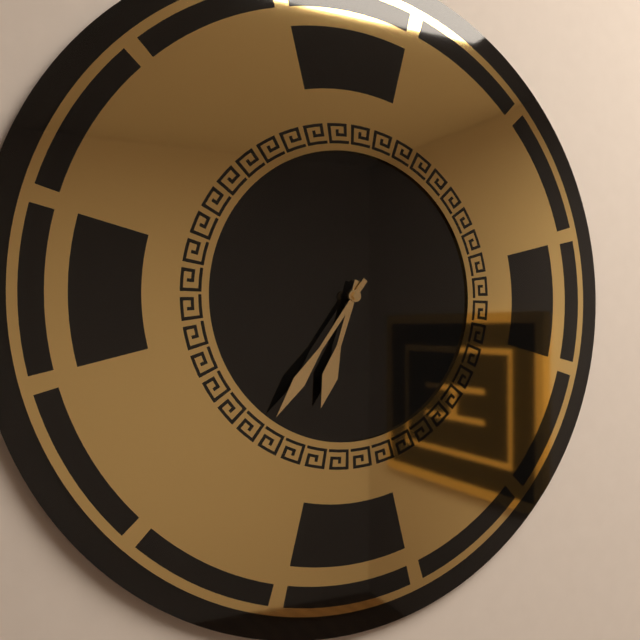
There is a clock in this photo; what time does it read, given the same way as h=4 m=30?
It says h=6 m=36
